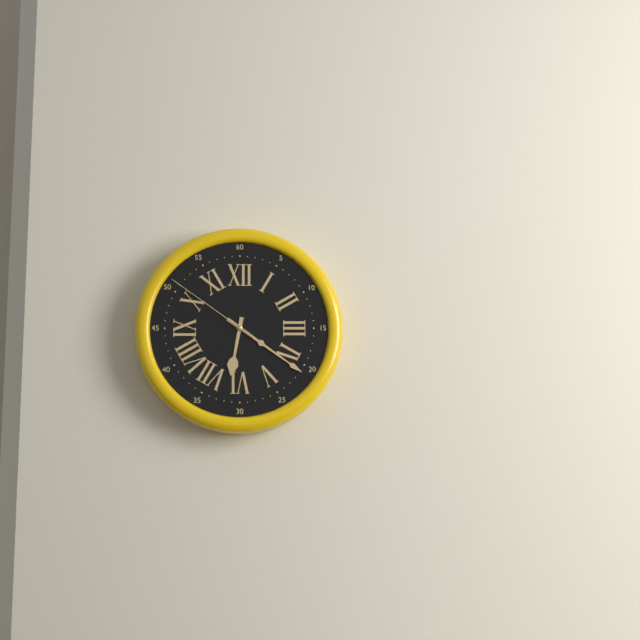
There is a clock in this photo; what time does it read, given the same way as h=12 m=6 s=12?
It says h=6 m=21 s=51
